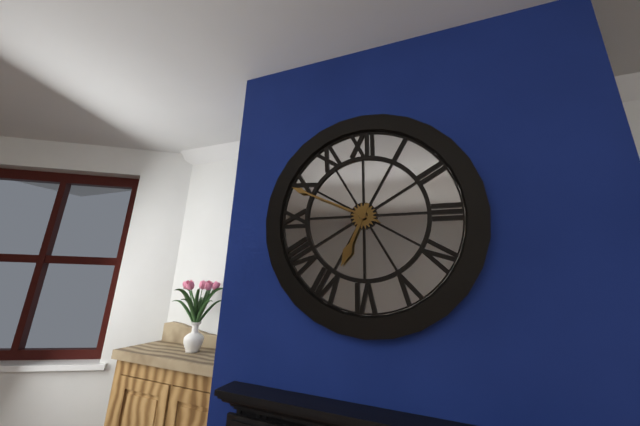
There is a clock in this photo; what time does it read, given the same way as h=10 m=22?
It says h=6 m=49
